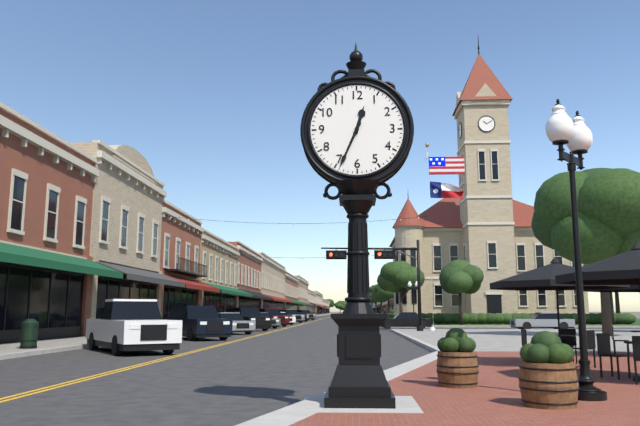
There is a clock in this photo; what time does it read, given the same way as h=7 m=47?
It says h=12 m=34
